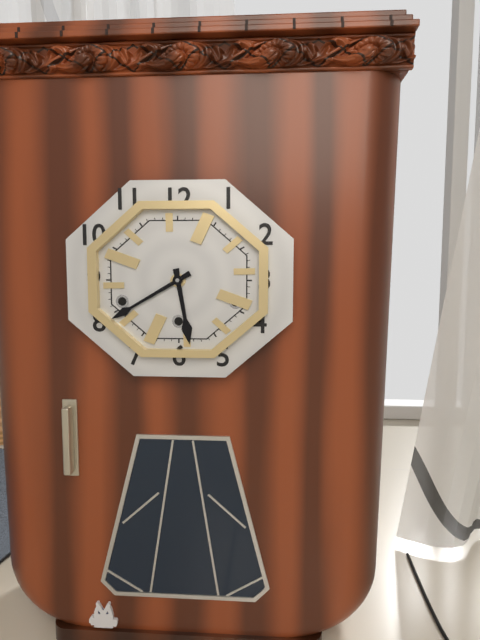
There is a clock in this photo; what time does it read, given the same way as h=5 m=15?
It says h=5 m=40
